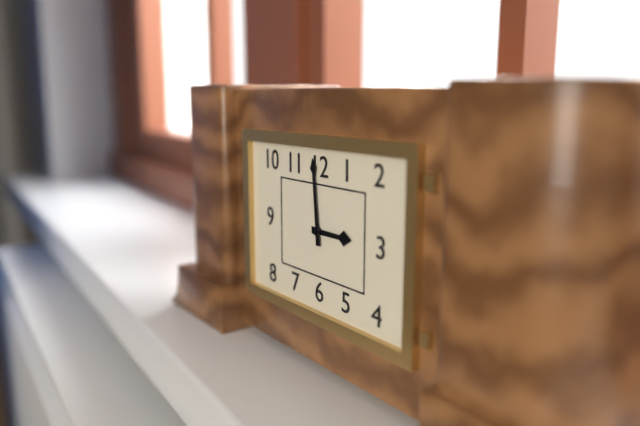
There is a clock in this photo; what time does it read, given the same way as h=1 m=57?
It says h=2 m=59
